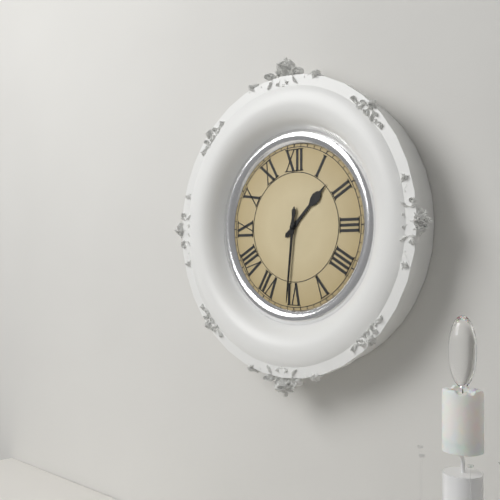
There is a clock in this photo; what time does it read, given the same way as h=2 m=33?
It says h=1 m=31
